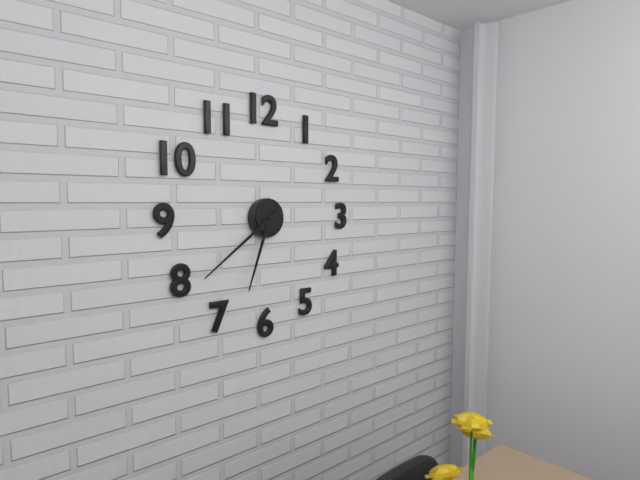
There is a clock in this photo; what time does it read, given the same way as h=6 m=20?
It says h=6 m=39
